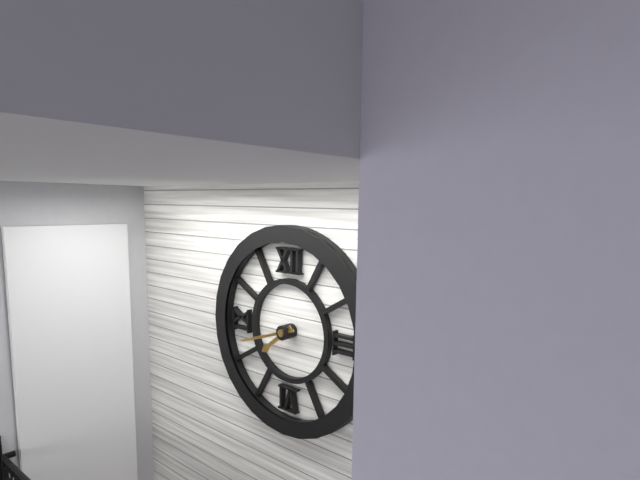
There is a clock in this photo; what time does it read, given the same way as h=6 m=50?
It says h=7 m=42
